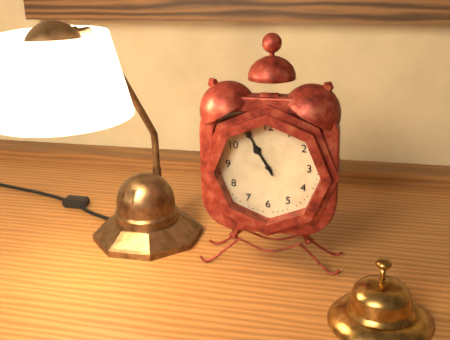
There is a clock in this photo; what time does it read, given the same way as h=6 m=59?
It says h=10 m=55
